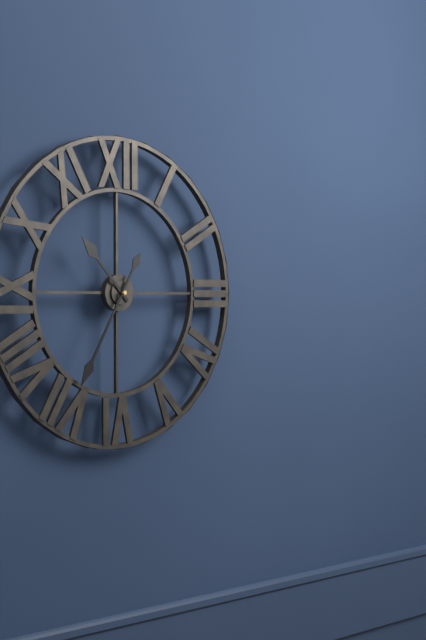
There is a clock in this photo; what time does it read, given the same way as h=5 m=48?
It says h=10 m=35
